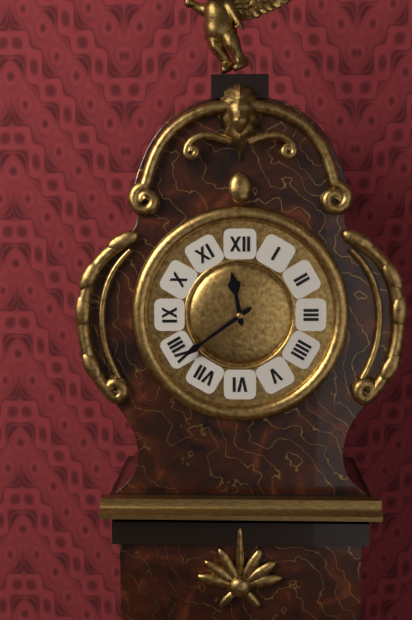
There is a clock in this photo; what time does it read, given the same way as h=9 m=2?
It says h=11 m=39
